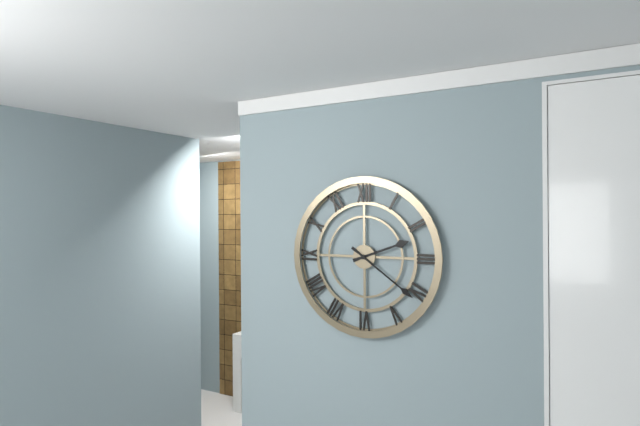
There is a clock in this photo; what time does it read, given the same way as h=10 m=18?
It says h=2 m=21
